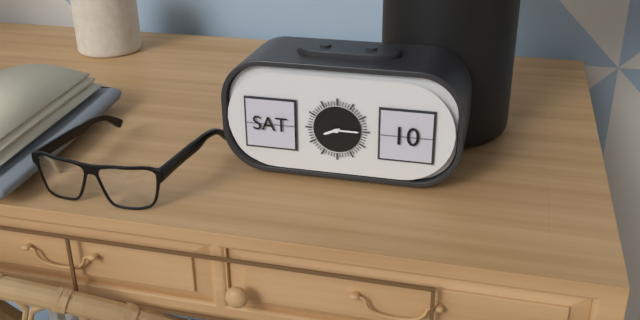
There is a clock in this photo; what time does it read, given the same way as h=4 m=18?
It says h=8 m=15
